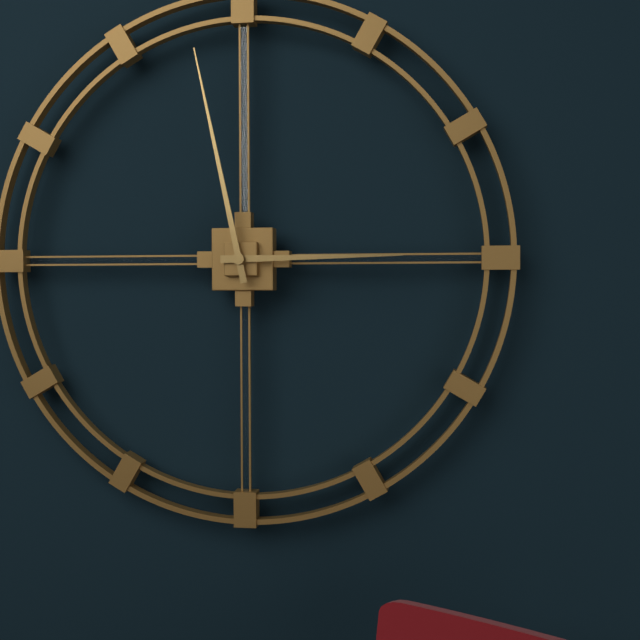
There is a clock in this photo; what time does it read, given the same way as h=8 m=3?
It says h=2 m=58
